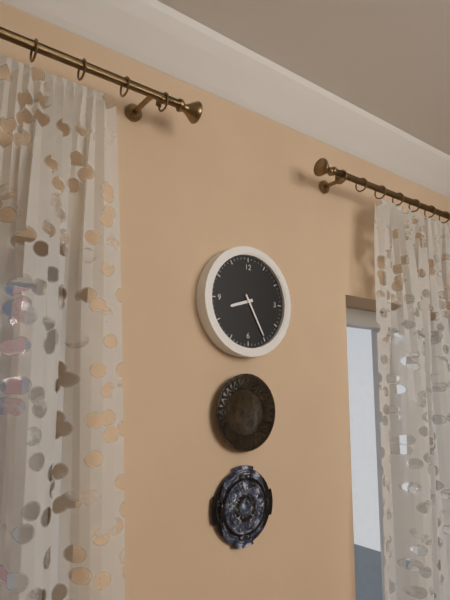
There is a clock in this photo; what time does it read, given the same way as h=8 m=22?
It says h=8 m=25
